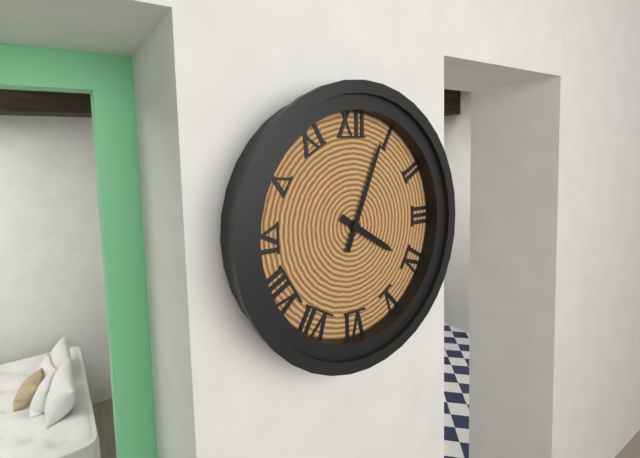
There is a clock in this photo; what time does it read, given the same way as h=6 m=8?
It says h=4 m=4
